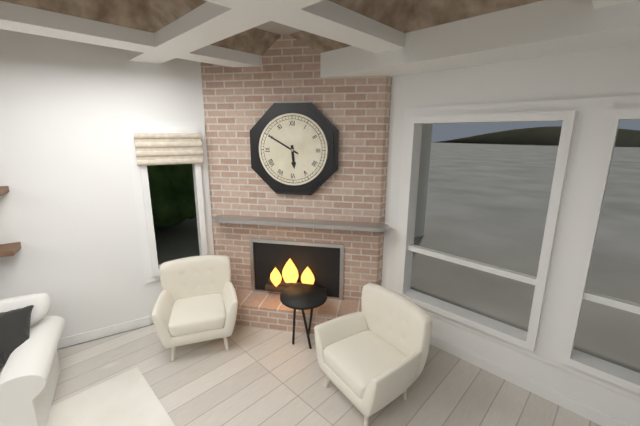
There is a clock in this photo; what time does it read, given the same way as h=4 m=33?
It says h=5 m=50
